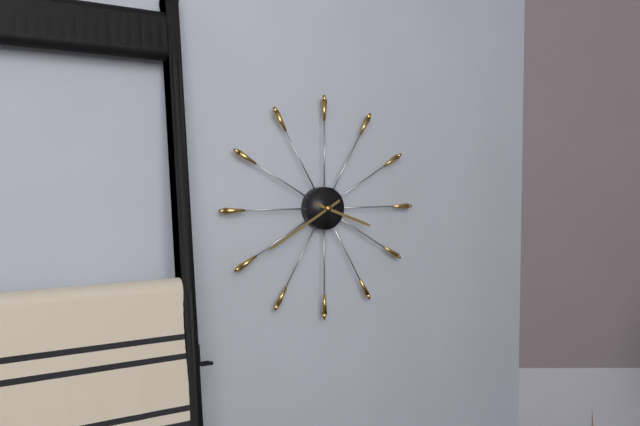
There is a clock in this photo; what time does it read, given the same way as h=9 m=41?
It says h=3 m=40
